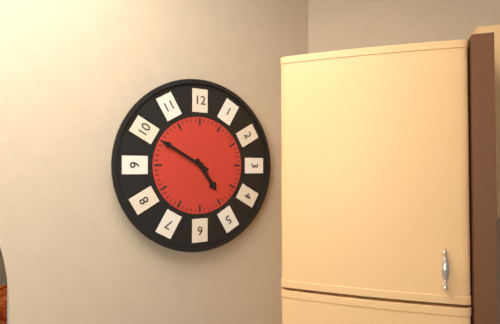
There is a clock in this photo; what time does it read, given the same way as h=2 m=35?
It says h=4 m=50
